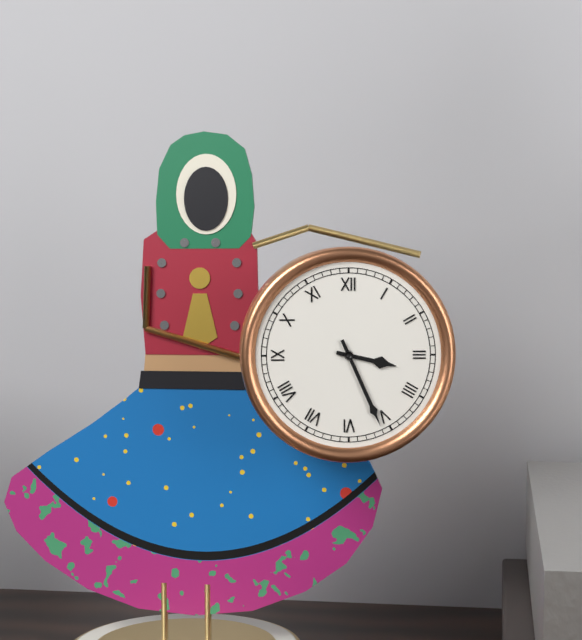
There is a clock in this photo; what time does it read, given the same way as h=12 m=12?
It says h=3 m=26
